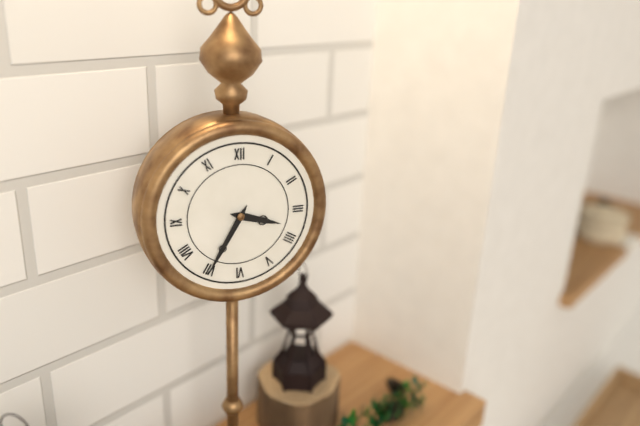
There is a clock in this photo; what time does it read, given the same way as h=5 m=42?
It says h=3 m=35
